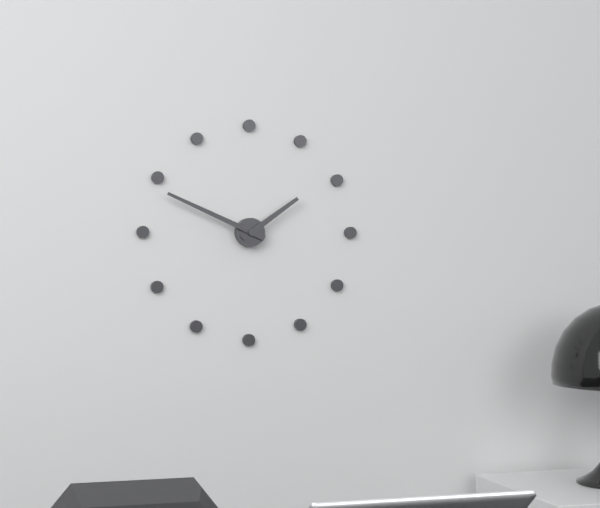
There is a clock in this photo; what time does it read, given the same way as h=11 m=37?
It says h=1 m=49
